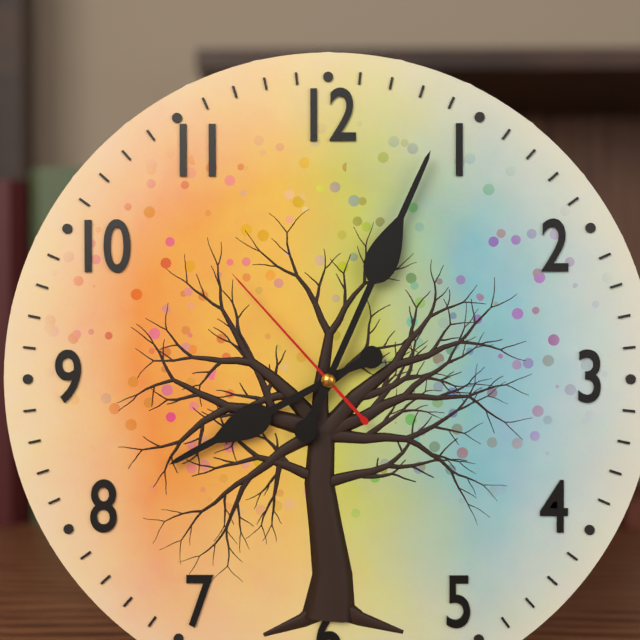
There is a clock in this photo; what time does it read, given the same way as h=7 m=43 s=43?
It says h=8 m=4 s=53
